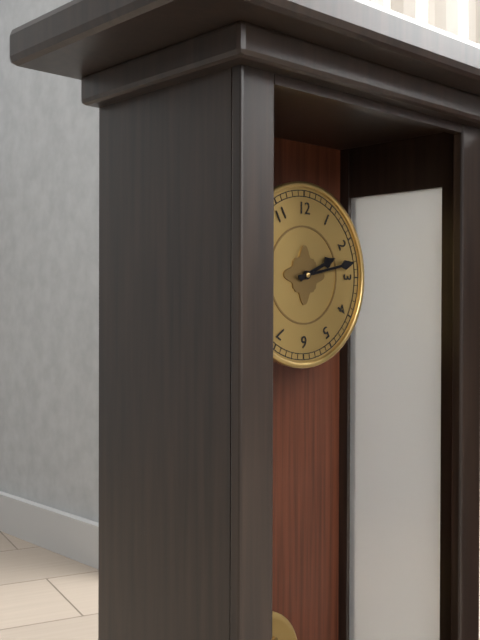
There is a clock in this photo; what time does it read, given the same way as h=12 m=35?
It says h=2 m=13
